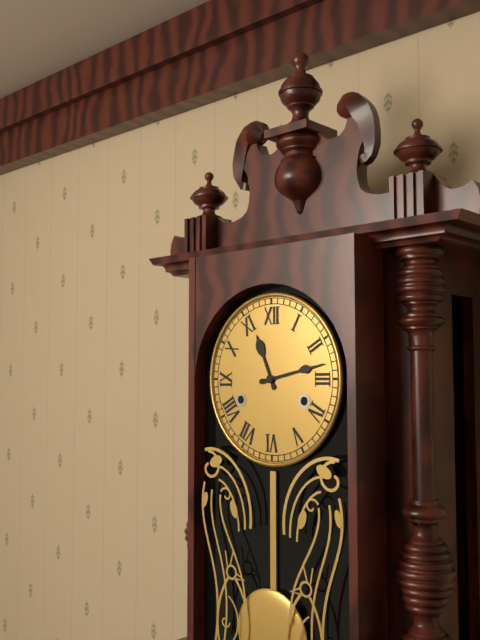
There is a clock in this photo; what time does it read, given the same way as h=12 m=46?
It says h=11 m=13
